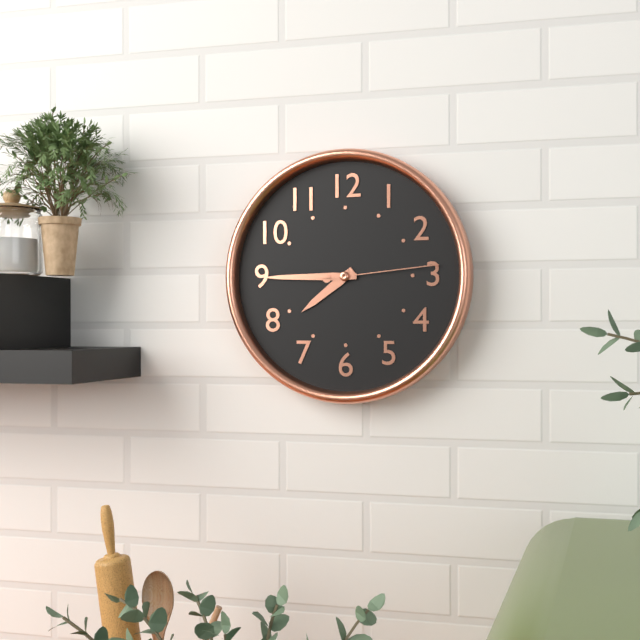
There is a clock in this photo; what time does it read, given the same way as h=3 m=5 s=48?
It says h=7 m=45 s=14
